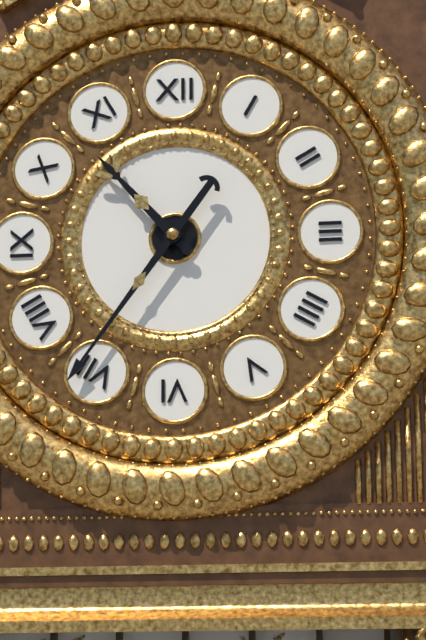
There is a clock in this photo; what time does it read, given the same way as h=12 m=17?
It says h=10 m=36
